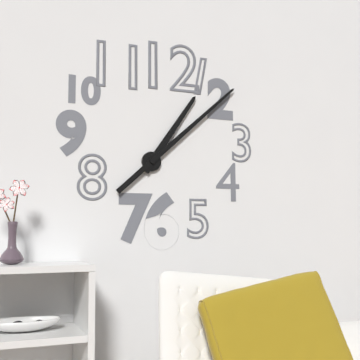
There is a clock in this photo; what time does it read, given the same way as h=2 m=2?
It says h=1 m=8
